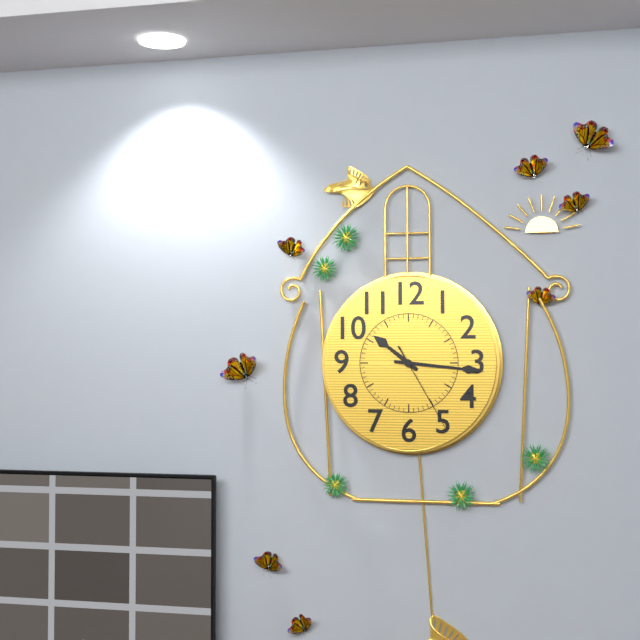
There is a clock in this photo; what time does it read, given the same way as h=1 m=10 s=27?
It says h=10 m=16 s=25
